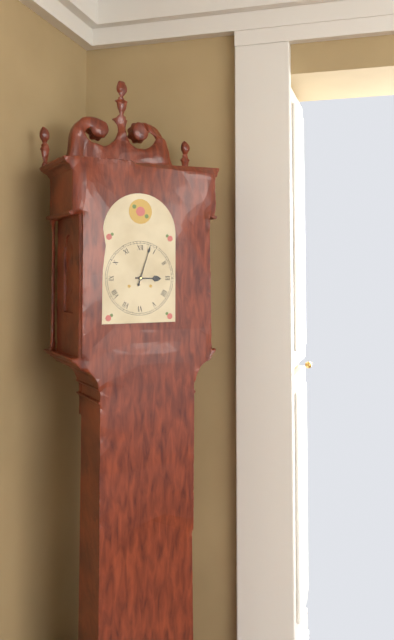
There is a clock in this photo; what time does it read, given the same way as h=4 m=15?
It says h=3 m=3
